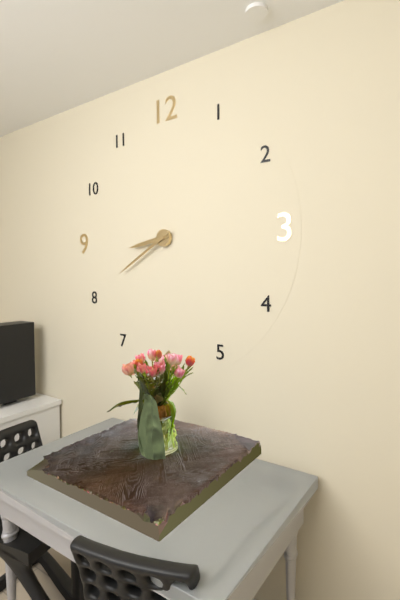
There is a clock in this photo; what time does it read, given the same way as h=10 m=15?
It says h=8 m=40
